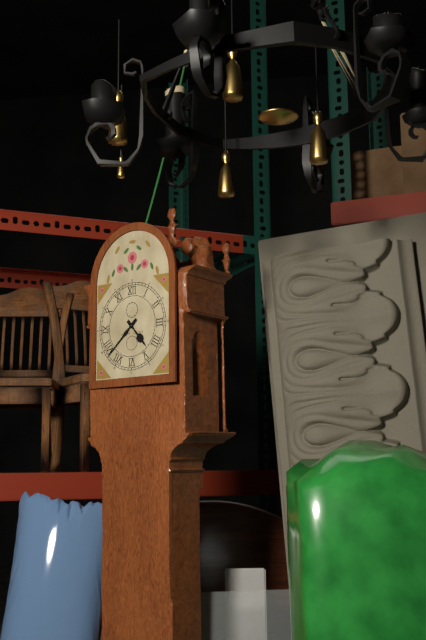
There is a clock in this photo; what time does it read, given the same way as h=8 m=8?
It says h=4 m=38
